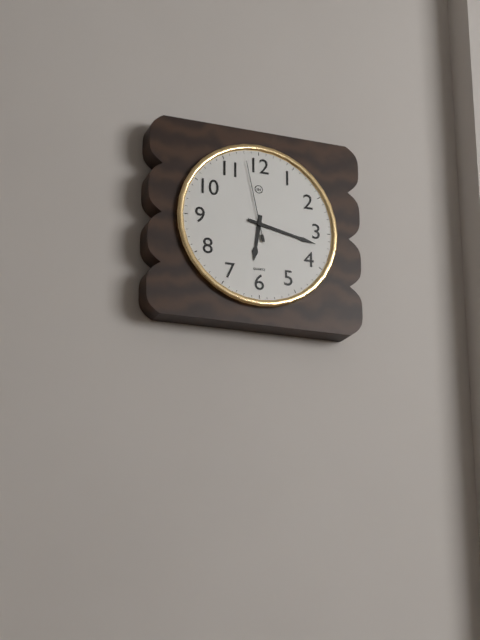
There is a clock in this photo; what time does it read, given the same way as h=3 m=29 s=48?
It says h=6 m=17 s=58
